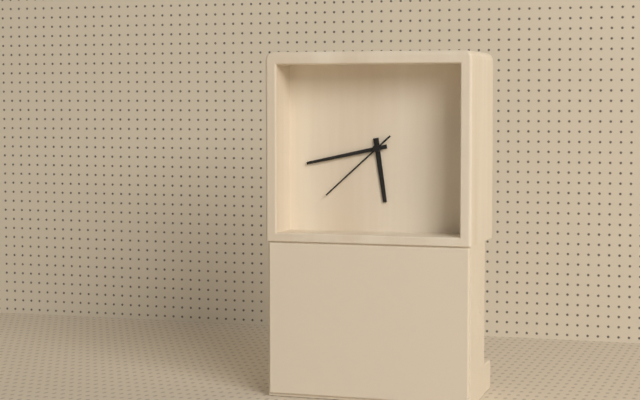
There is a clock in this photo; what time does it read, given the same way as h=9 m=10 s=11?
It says h=5 m=43 s=38
